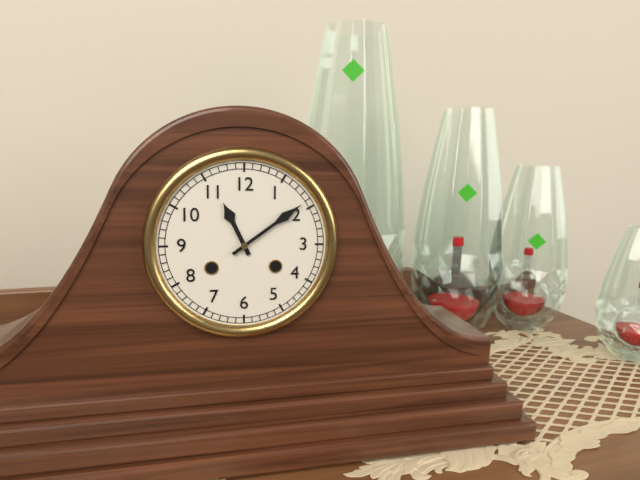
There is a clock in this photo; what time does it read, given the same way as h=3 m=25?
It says h=11 m=9
